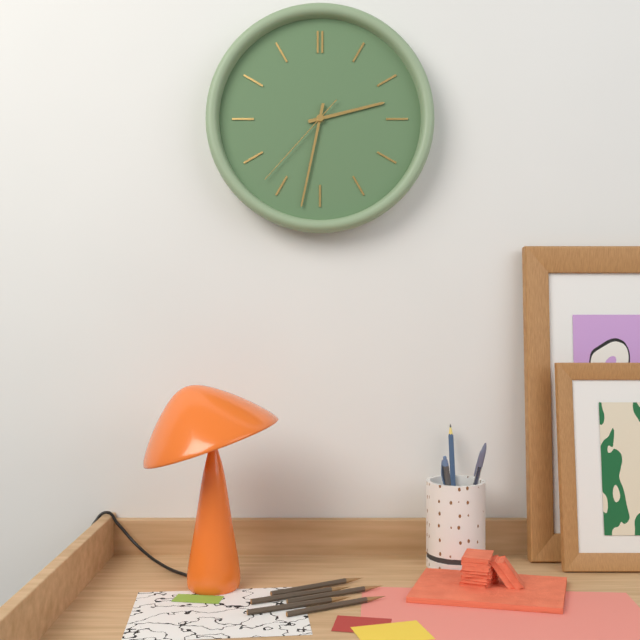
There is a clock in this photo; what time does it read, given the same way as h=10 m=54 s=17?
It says h=2 m=32 s=37
